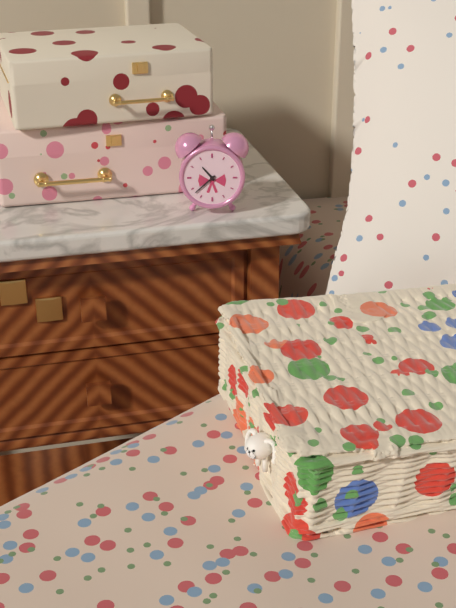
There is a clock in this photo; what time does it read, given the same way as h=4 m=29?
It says h=10 m=38
